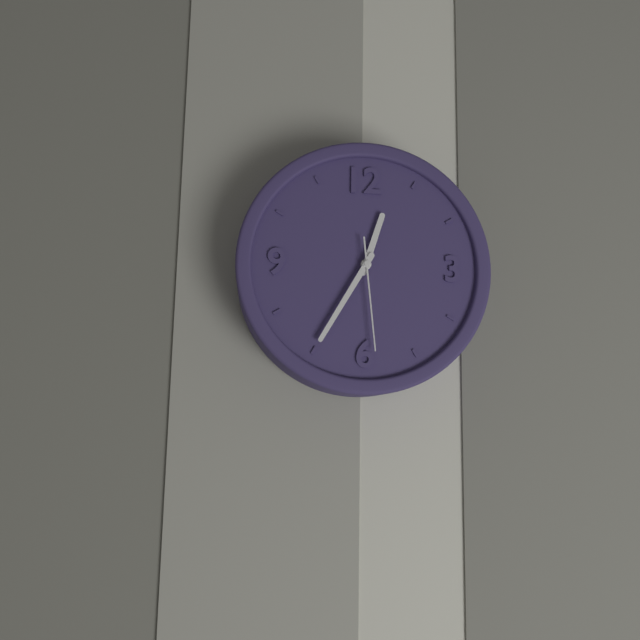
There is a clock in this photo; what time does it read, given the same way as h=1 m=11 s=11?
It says h=12 m=35 s=29
